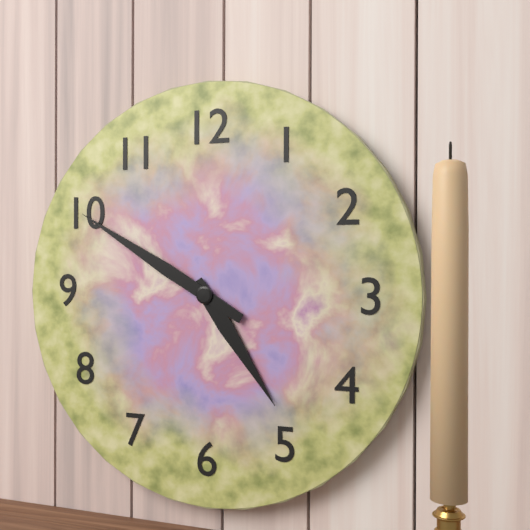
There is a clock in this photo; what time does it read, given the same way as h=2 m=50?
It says h=4 m=50
